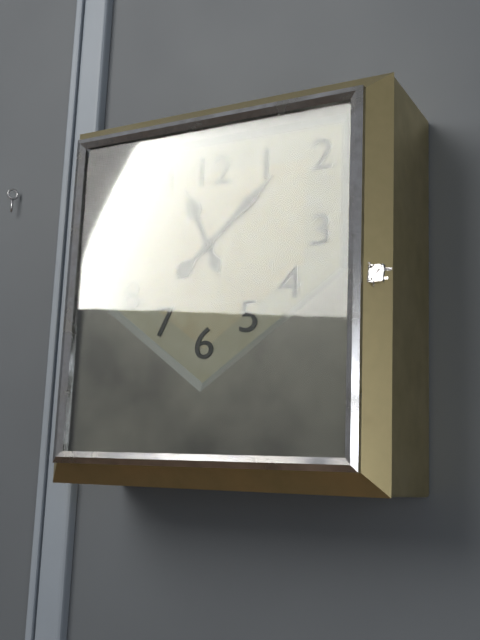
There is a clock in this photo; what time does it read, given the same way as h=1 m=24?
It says h=11 m=8
